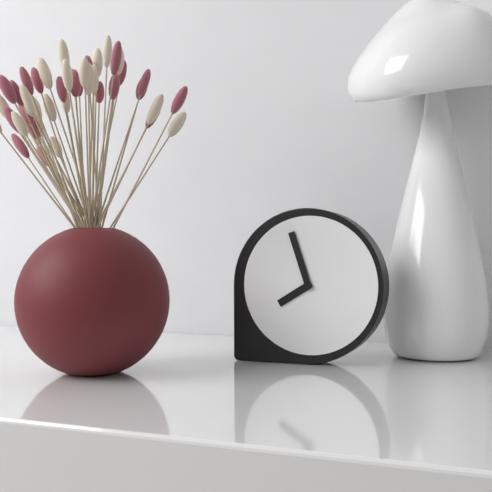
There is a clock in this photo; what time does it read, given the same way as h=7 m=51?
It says h=7 m=57
